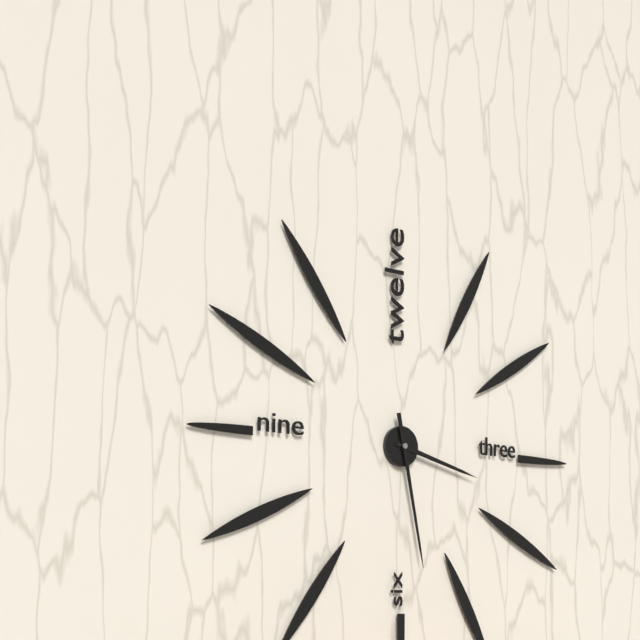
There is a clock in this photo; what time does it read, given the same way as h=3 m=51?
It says h=3 m=28
